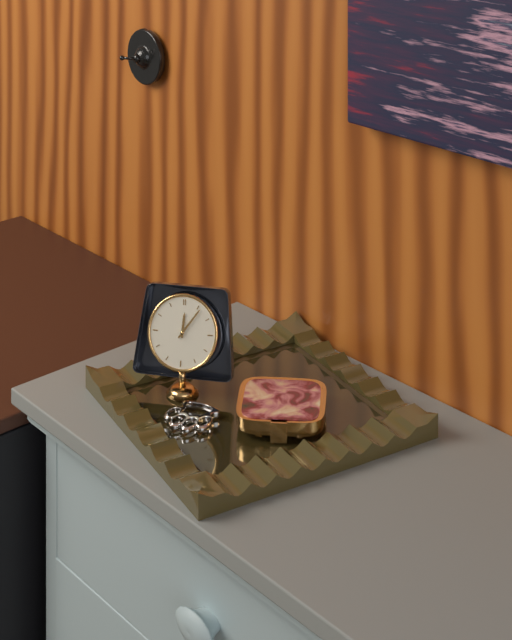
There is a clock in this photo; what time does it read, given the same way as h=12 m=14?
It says h=12 m=6
